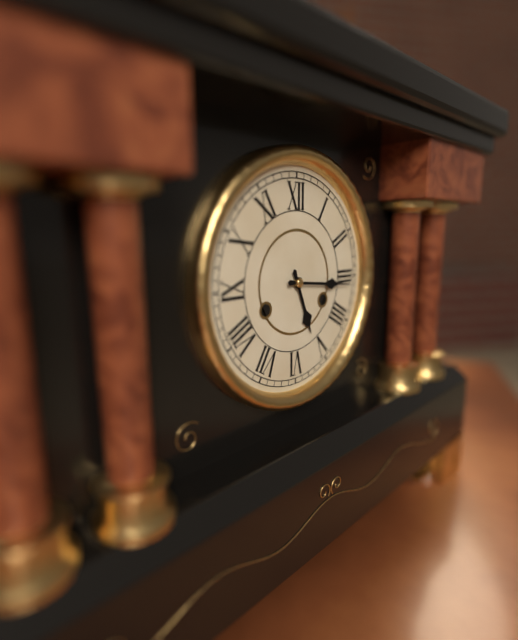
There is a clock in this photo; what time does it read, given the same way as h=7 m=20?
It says h=5 m=16
